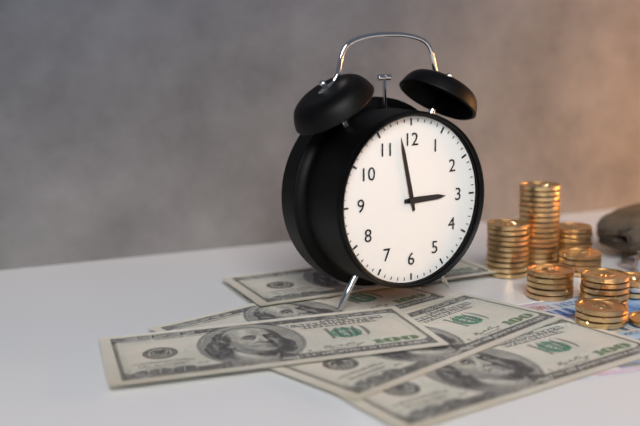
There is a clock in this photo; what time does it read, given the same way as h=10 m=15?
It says h=2 m=58
